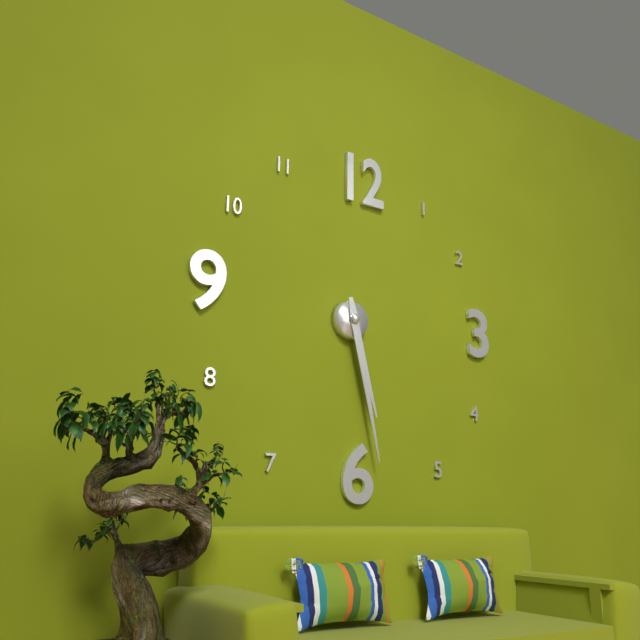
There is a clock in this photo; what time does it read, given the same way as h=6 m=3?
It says h=5 m=28
